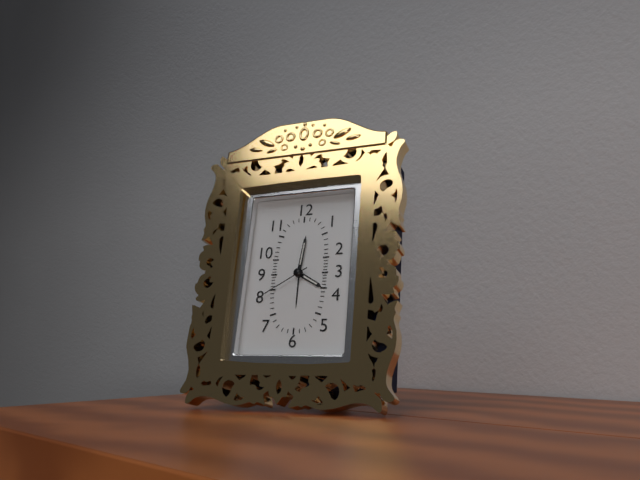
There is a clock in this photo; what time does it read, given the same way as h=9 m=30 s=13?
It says h=4 m=1 s=40
